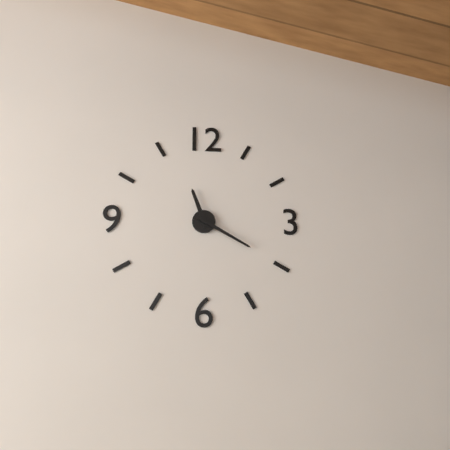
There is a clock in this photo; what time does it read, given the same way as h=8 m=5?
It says h=11 m=20
